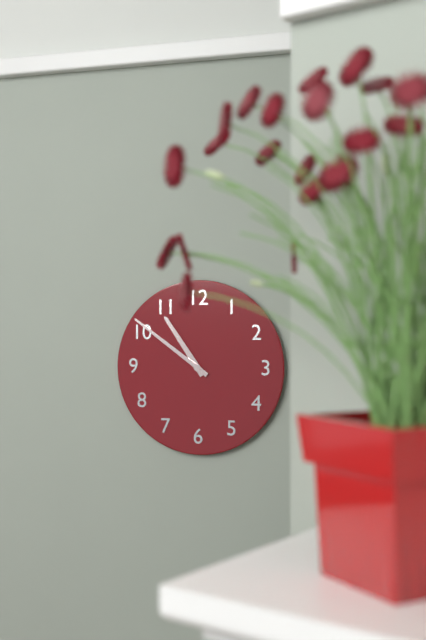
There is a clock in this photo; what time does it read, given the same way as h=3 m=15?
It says h=10 m=51
